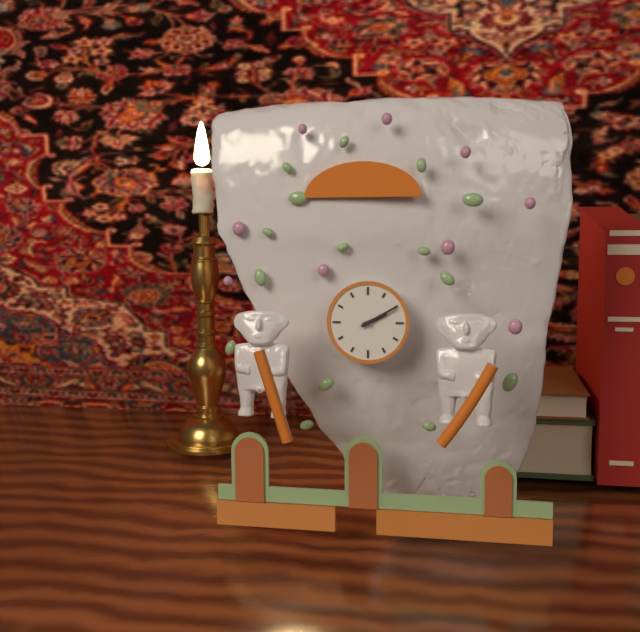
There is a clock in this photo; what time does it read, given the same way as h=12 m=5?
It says h=2 m=10
